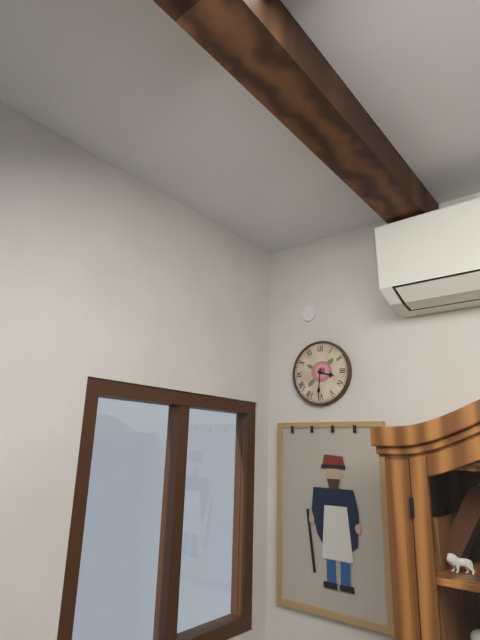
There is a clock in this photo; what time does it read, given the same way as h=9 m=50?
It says h=3 m=31
